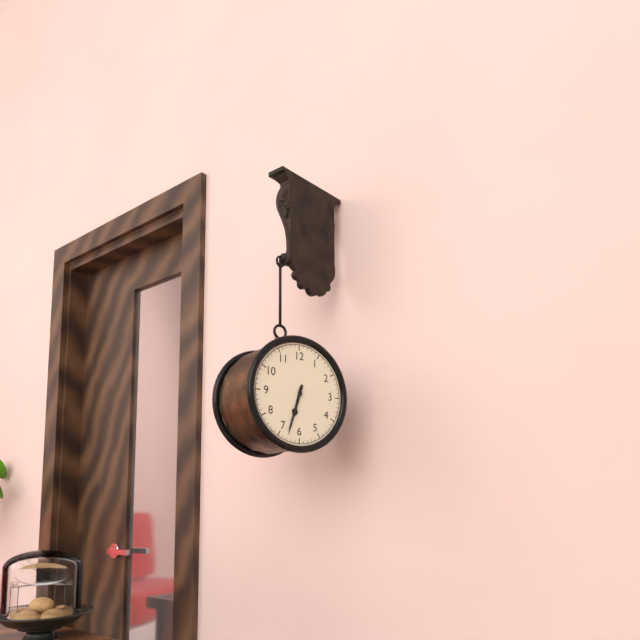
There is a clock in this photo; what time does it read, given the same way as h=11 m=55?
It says h=6 m=33
